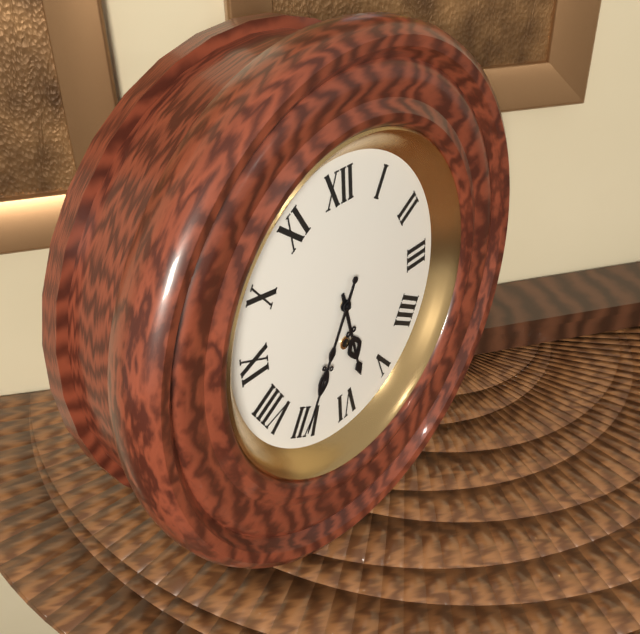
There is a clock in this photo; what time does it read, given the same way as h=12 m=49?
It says h=5 m=35
